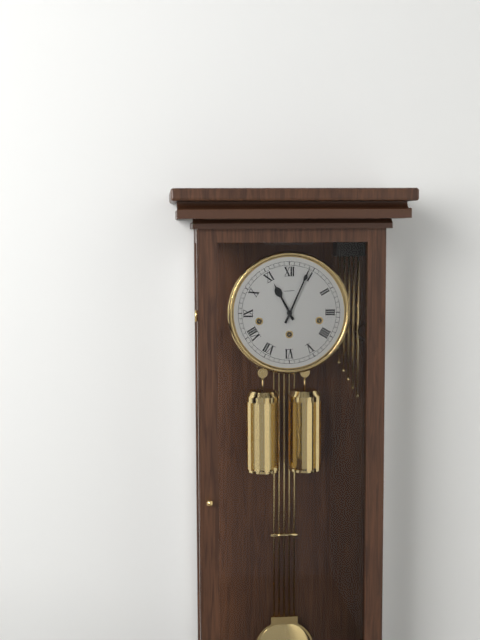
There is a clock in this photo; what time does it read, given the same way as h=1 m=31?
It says h=11 m=4
